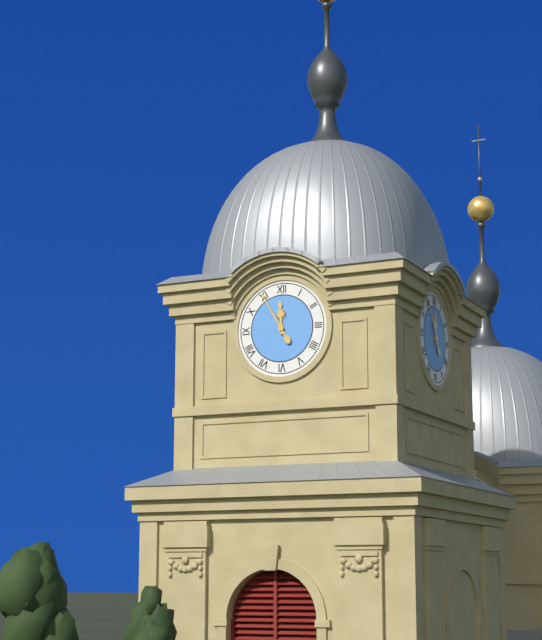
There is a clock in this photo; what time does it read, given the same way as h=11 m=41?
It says h=11 m=55
